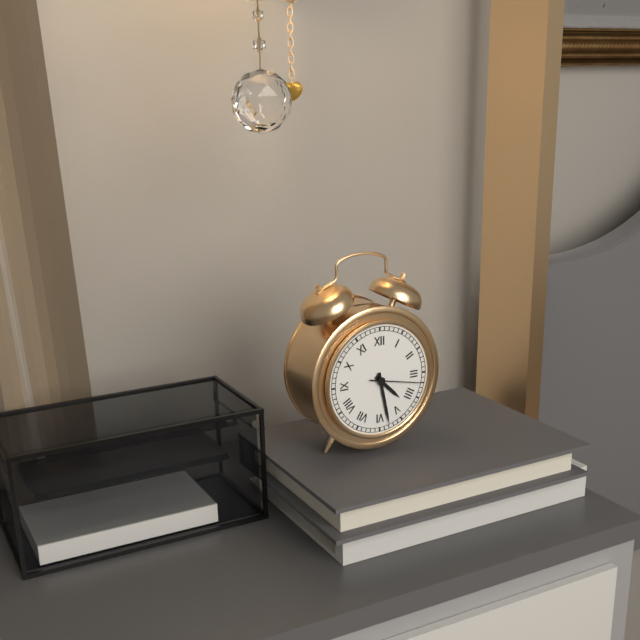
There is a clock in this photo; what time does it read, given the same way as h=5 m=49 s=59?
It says h=4 m=28 s=17
